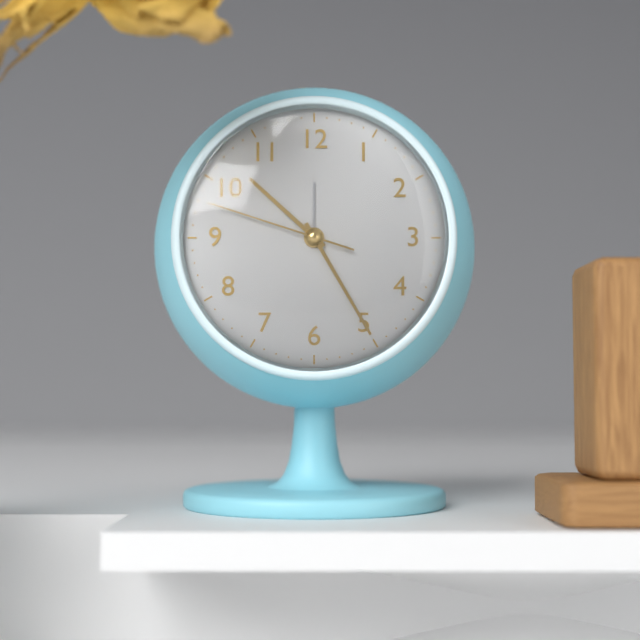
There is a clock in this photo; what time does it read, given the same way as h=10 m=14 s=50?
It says h=10 m=25 s=48
